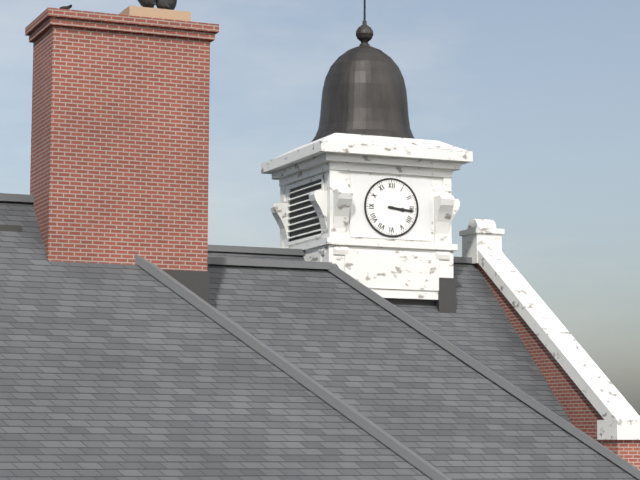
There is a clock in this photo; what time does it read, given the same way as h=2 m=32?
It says h=3 m=16
